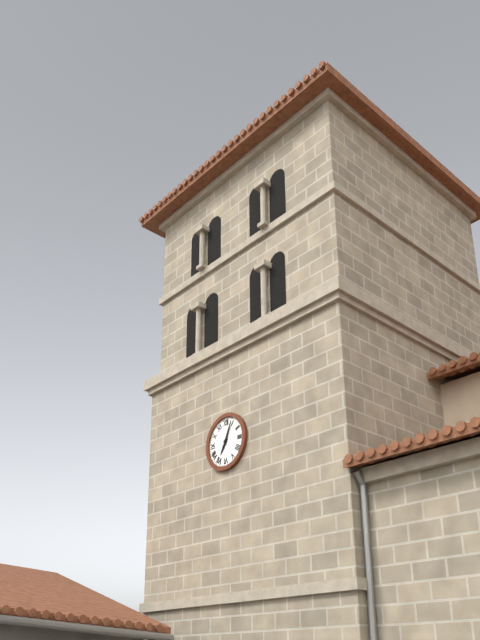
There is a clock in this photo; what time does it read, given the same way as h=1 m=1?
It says h=7 m=4
